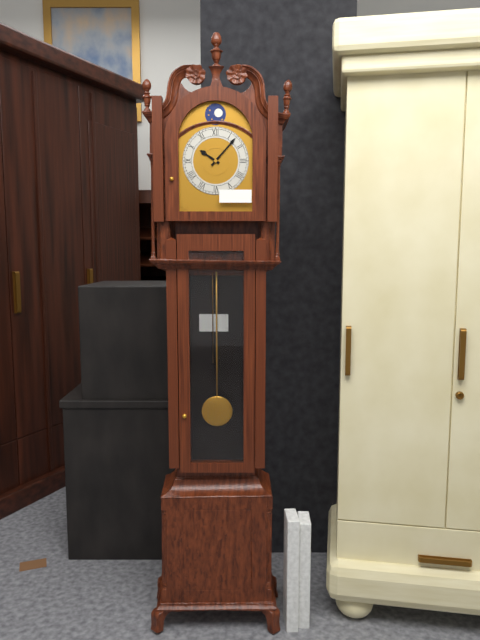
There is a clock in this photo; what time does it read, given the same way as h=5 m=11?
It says h=10 m=7
